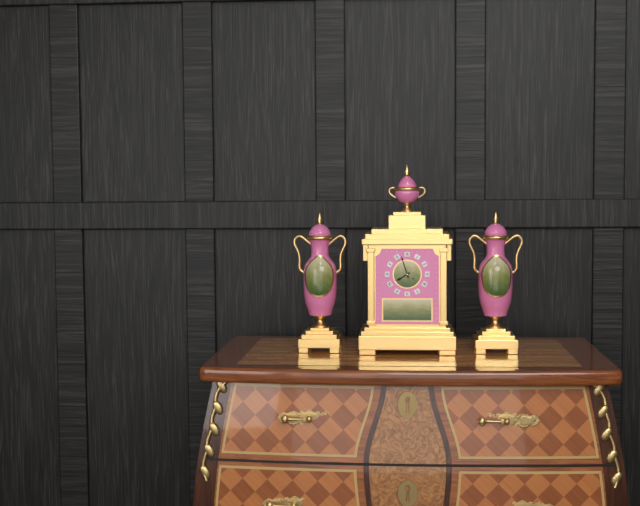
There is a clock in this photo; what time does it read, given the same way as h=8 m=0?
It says h=7 m=57
